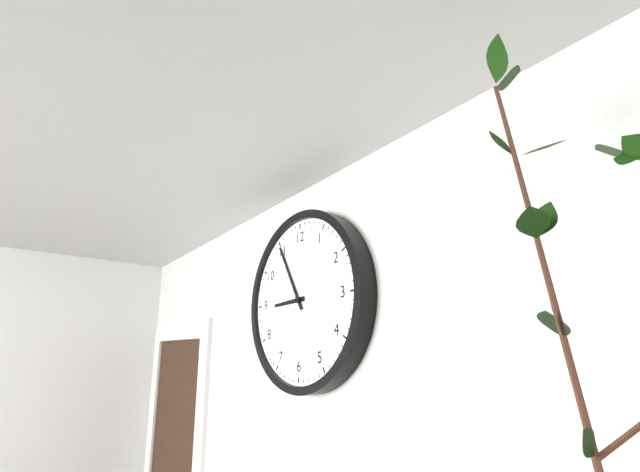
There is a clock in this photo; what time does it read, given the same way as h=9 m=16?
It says h=8 m=55
